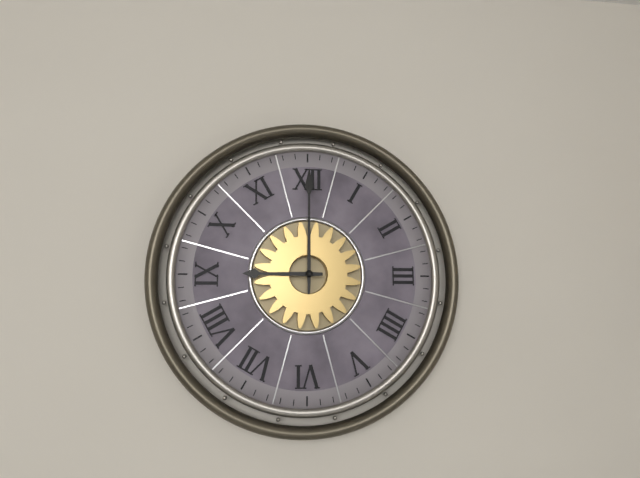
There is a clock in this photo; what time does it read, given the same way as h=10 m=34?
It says h=9 m=0
